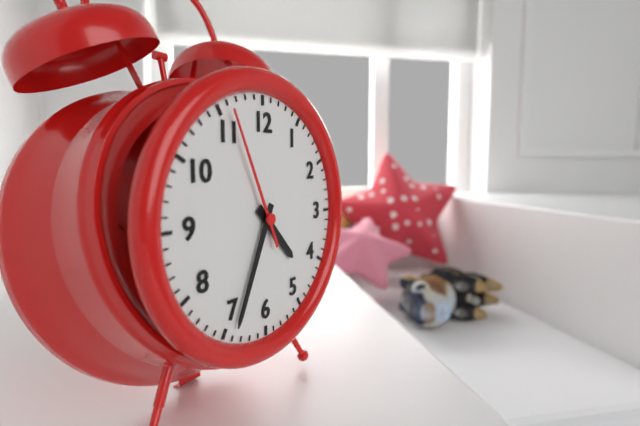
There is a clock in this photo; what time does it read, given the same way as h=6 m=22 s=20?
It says h=4 m=34 s=56
